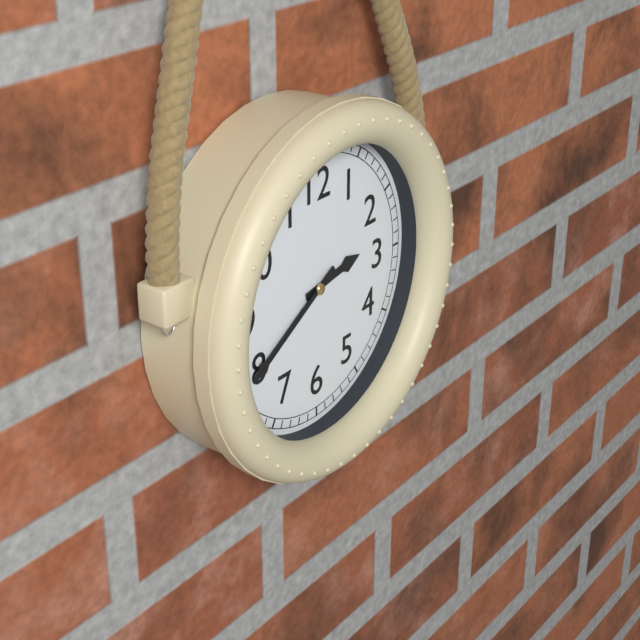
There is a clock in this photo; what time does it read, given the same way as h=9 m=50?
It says h=2 m=40
